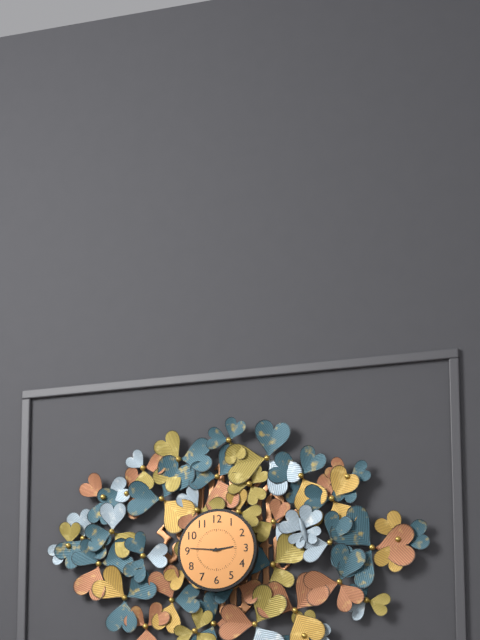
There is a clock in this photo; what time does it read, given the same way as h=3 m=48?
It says h=2 m=46
